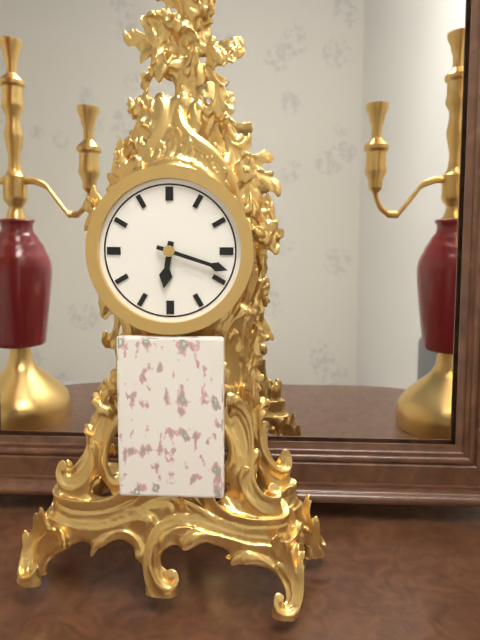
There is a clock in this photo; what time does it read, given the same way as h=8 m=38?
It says h=6 m=18
